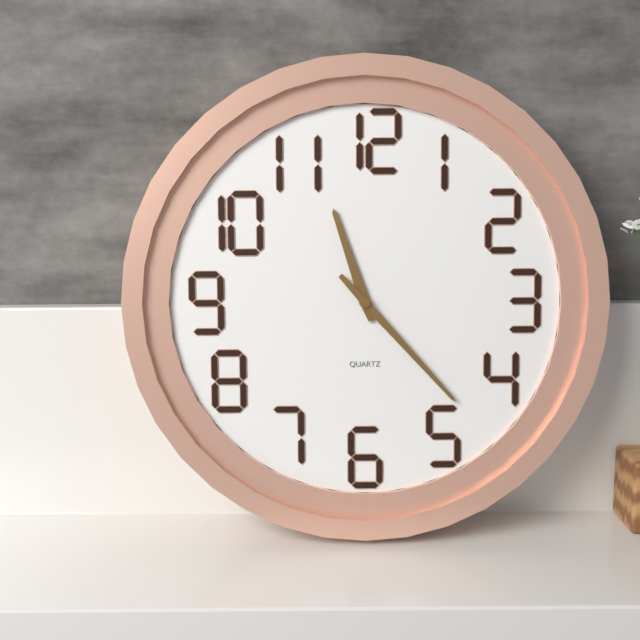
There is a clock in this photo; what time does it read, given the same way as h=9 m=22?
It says h=11 m=23
